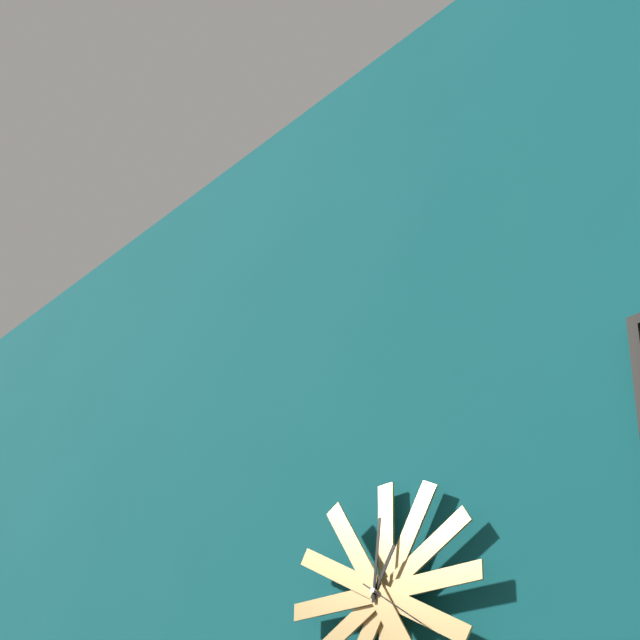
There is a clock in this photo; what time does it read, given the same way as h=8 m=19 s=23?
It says h=1 m=1 s=21
